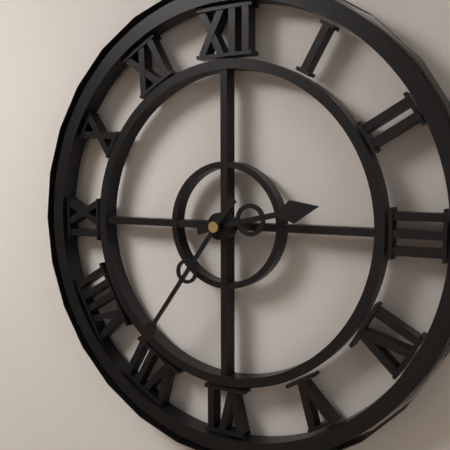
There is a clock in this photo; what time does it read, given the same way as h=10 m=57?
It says h=2 m=36
